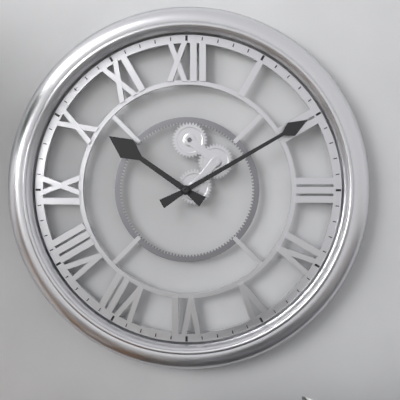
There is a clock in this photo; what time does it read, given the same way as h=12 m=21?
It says h=10 m=10
